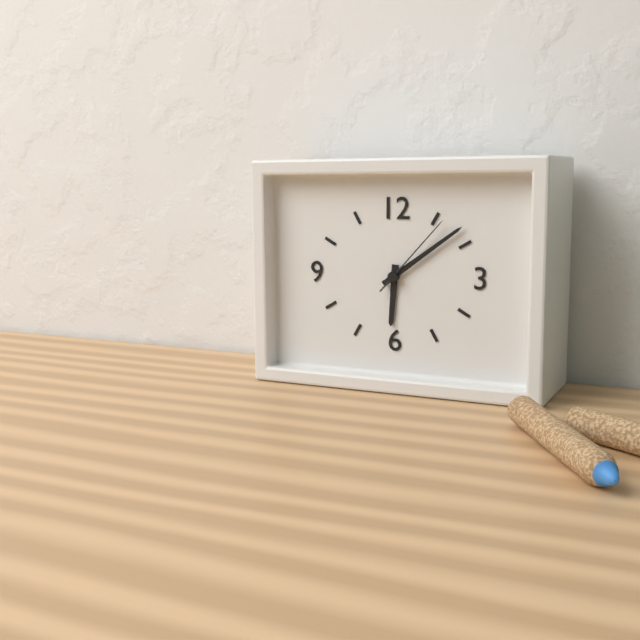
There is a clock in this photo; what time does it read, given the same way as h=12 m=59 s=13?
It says h=6 m=9 s=7
